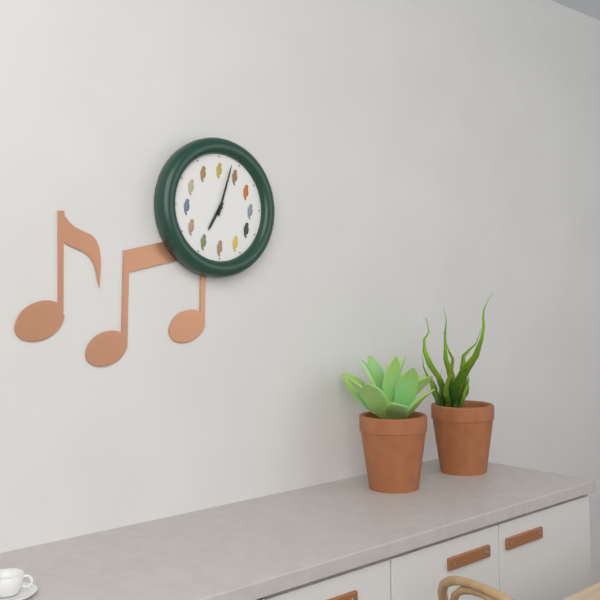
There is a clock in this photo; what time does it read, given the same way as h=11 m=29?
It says h=7 m=3
